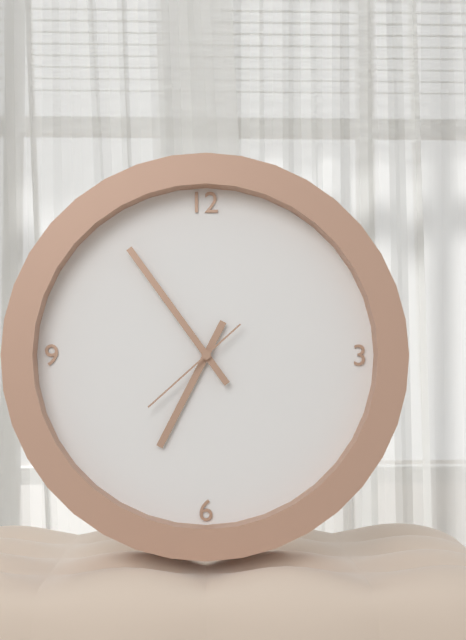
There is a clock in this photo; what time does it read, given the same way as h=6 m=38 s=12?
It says h=6 m=54 s=38
